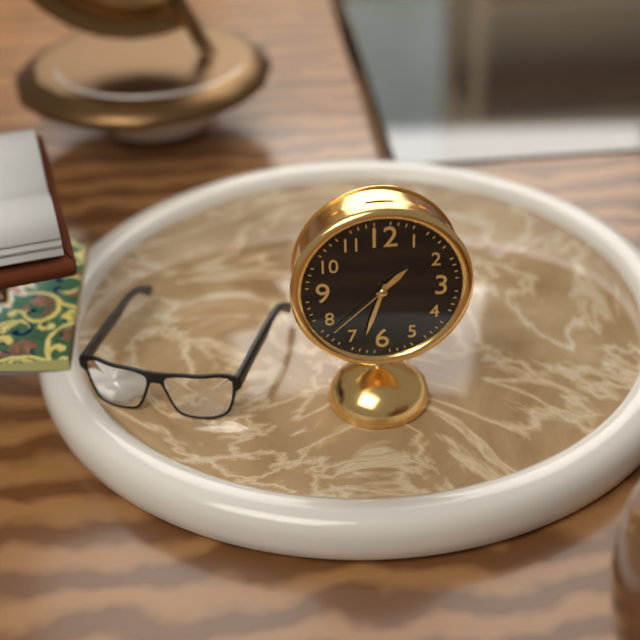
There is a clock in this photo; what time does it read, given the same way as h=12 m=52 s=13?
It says h=1 m=33 s=38
